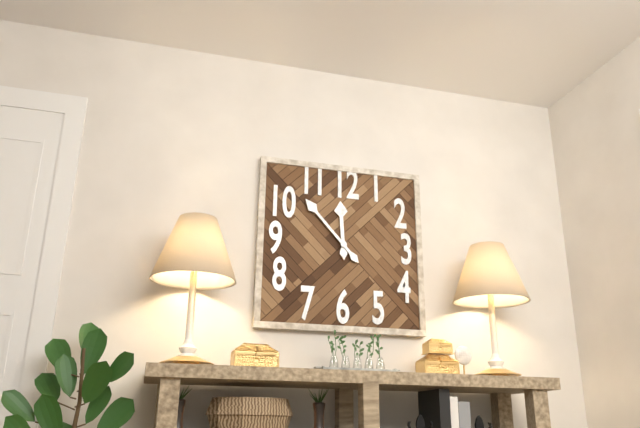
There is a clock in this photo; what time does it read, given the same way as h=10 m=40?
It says h=11 m=53
